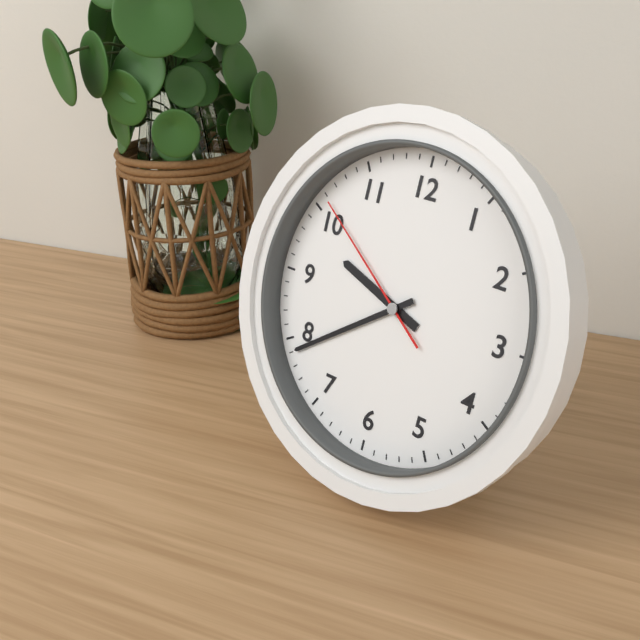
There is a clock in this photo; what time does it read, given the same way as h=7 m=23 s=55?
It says h=9 m=39 s=51
